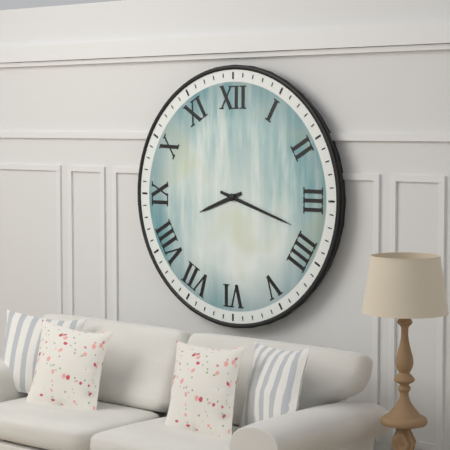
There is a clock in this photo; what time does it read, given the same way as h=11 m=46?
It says h=8 m=18
